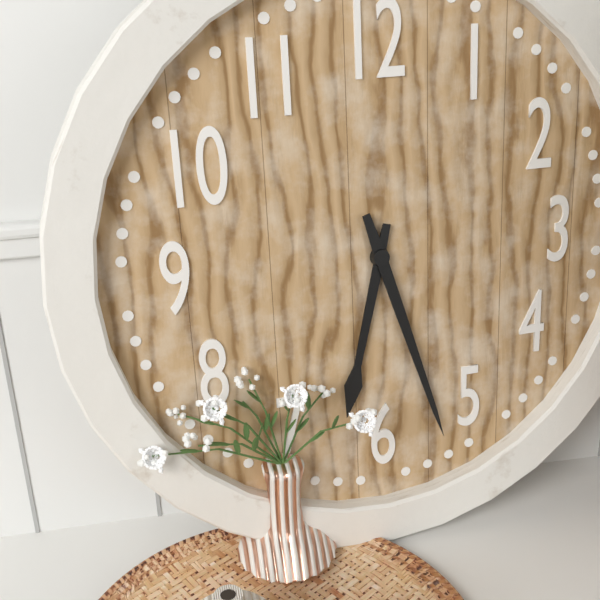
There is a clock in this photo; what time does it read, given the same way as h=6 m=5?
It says h=6 m=27
